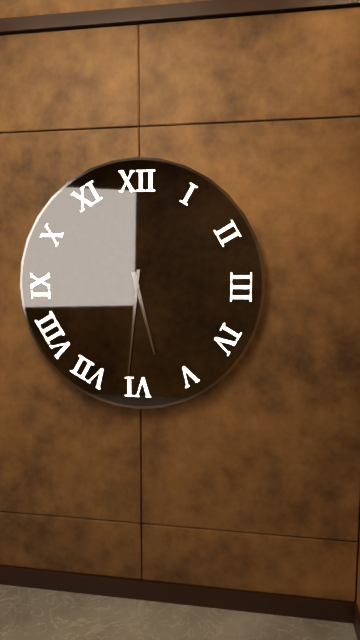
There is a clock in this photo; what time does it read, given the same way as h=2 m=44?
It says h=5 m=31
